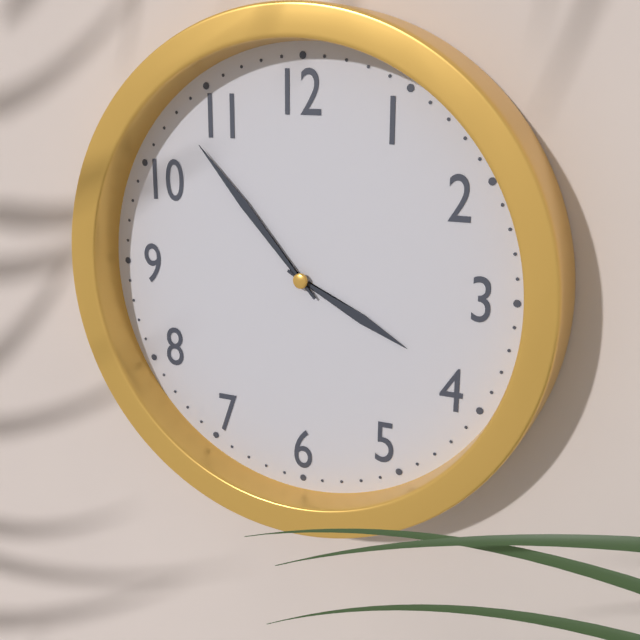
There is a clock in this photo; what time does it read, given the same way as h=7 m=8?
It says h=3 m=53
